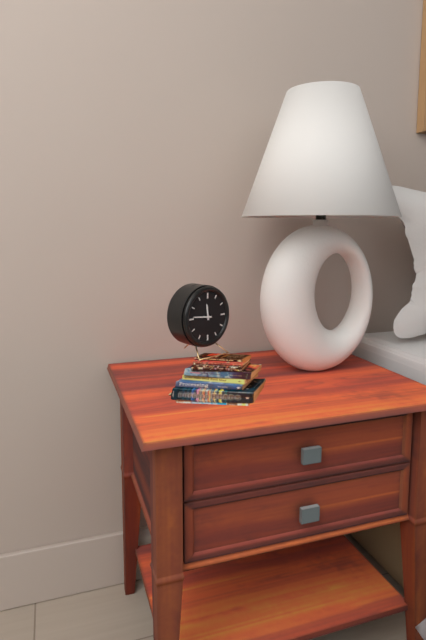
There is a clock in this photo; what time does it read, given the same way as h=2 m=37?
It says h=11 m=46
